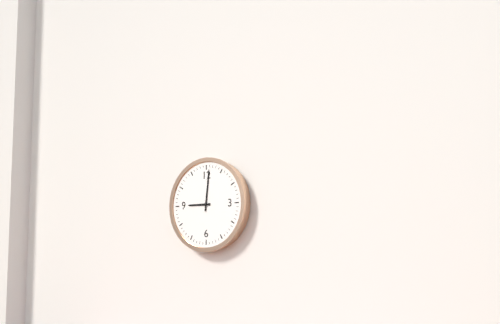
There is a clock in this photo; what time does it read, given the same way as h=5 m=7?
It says h=9 m=1
